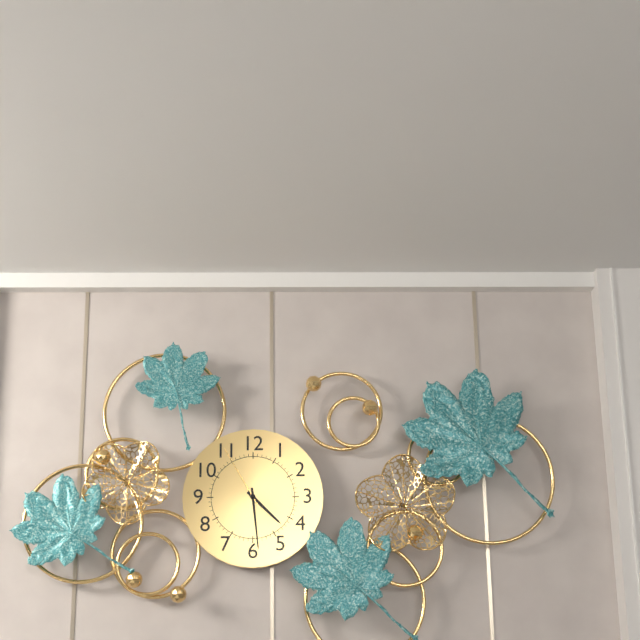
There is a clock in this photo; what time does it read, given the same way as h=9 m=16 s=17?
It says h=4 m=29 s=55
